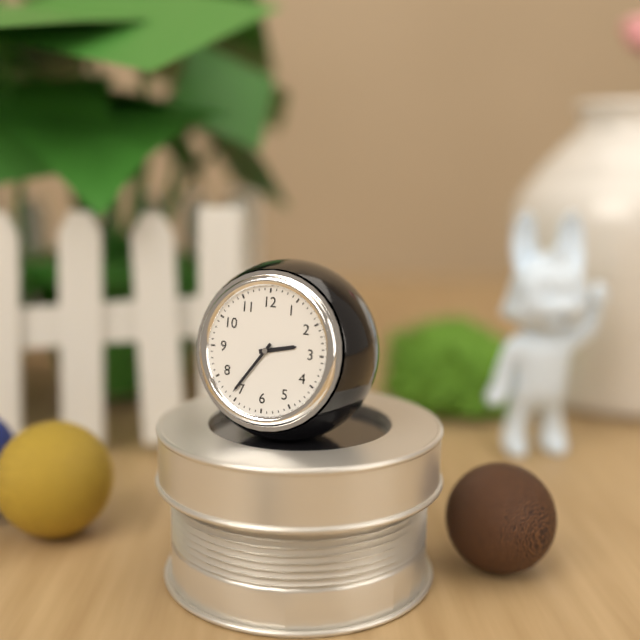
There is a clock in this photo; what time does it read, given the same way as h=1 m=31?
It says h=2 m=36
